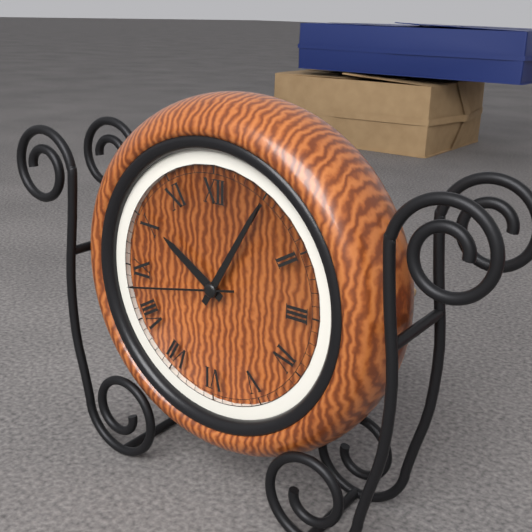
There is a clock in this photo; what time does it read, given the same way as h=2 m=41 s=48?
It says h=10 m=5 s=43
